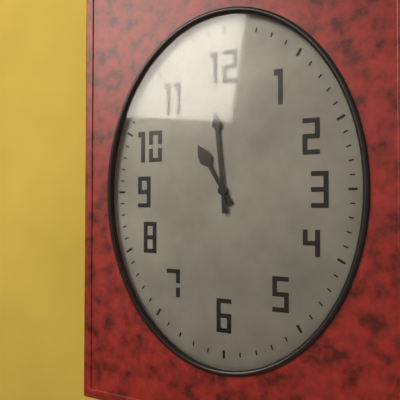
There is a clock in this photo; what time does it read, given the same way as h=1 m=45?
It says h=10 m=59
